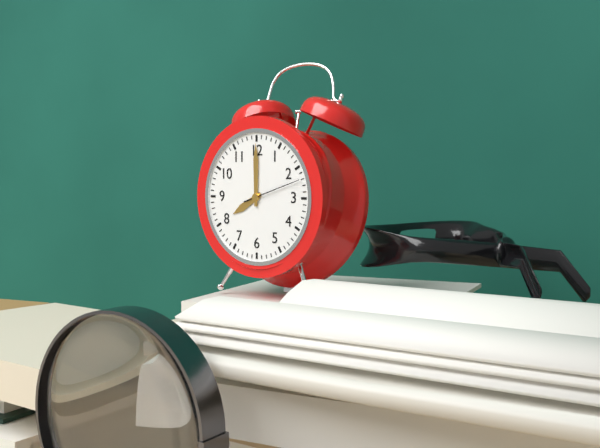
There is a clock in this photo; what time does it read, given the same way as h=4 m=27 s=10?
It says h=8 m=0 s=12
